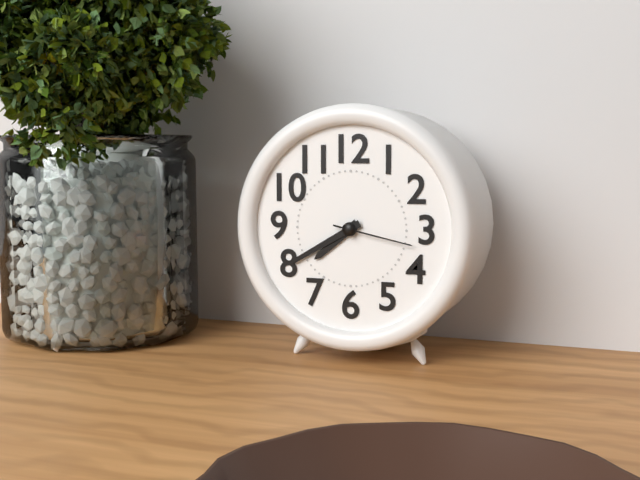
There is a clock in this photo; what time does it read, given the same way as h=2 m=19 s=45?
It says h=7 m=40 s=17
